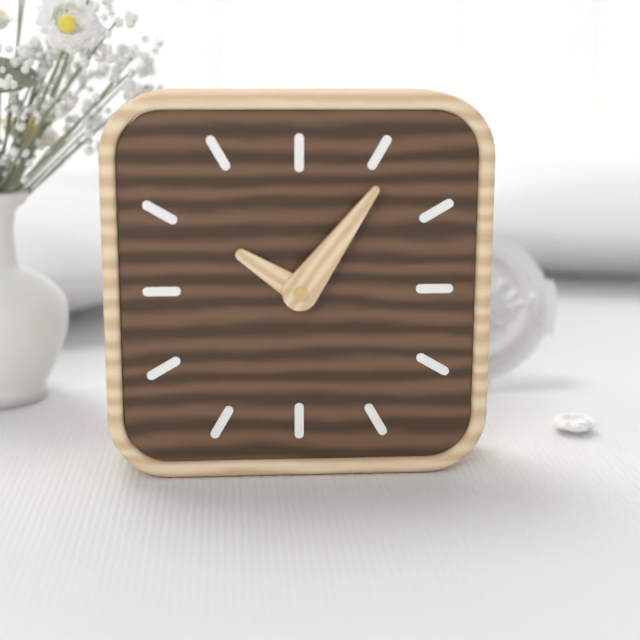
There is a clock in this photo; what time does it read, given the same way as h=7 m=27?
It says h=10 m=6
